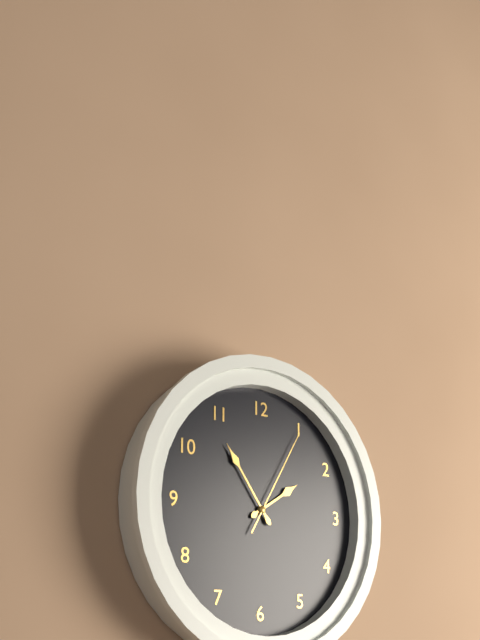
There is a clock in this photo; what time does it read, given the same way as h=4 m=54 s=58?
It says h=1 m=54 s=5
